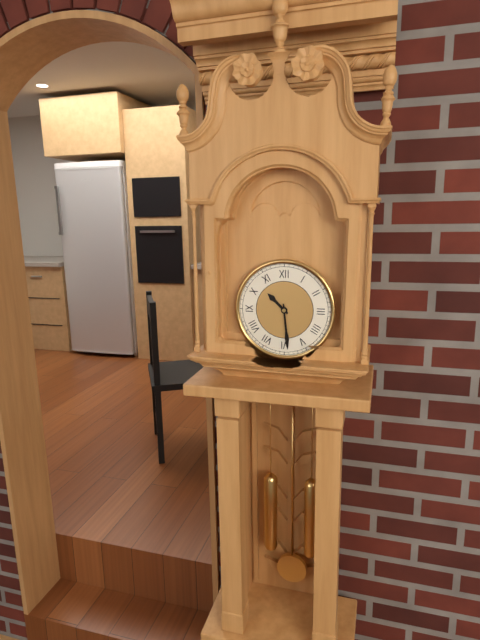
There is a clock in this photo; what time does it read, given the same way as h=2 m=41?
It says h=10 m=29
